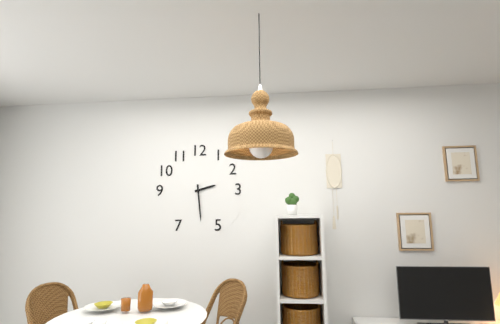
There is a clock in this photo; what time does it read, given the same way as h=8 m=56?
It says h=2 m=29
